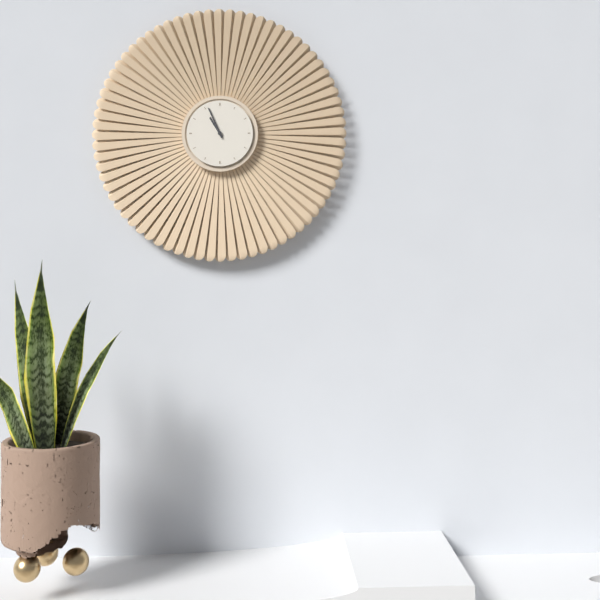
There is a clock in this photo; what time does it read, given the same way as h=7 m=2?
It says h=10 m=56
